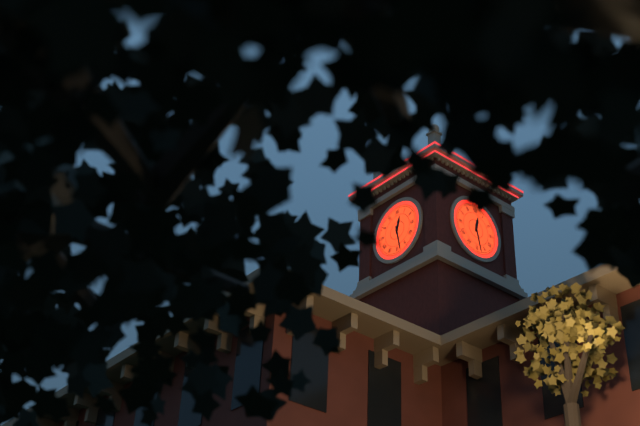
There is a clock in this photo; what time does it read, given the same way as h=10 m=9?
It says h=12 m=28
